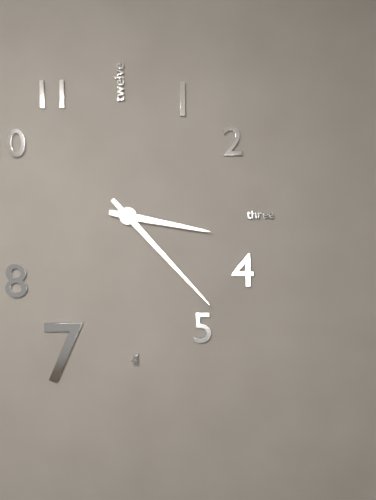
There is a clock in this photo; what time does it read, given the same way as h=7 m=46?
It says h=3 m=23
